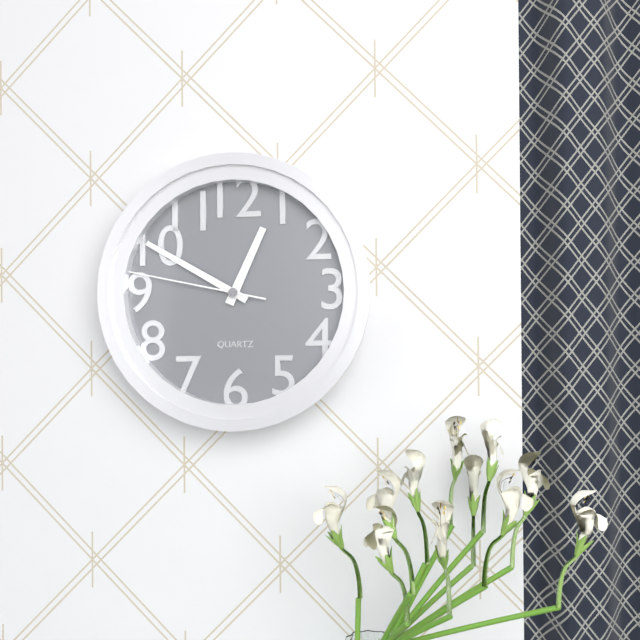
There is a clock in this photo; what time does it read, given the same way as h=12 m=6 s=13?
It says h=12 m=50 s=47
